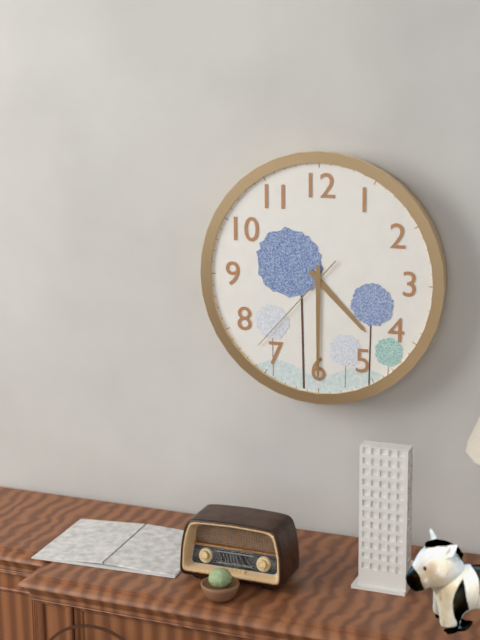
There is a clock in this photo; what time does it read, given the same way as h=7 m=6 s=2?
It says h=4 m=30 s=37
